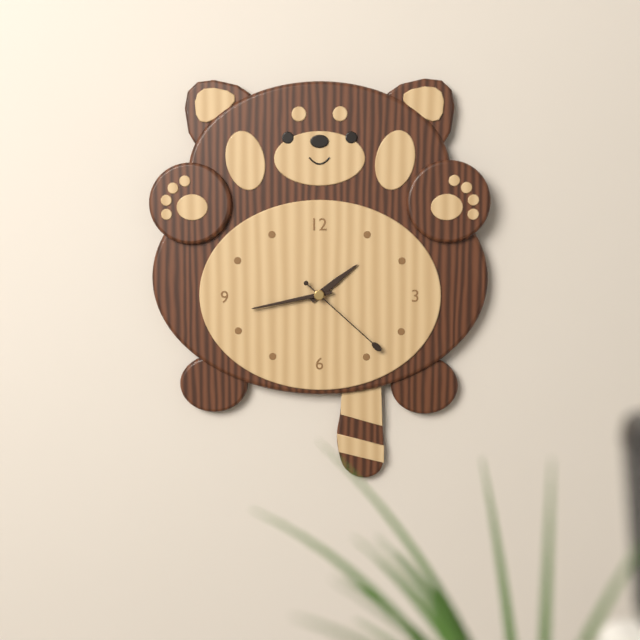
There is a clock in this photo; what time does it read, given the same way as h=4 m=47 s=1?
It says h=1 m=43 s=22
